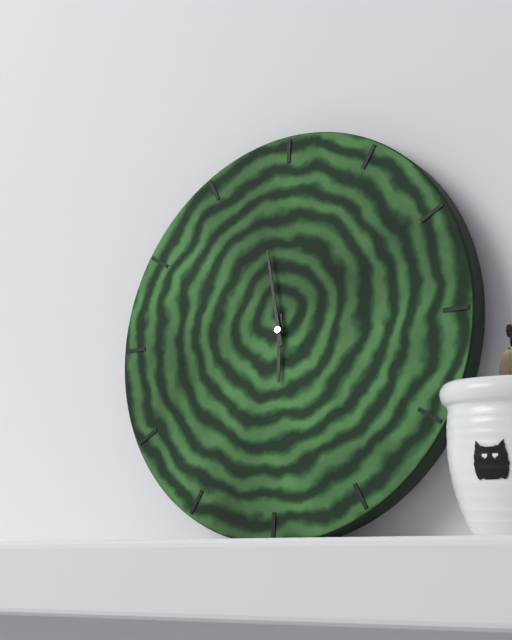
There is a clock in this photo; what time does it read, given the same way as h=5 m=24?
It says h=5 m=58
